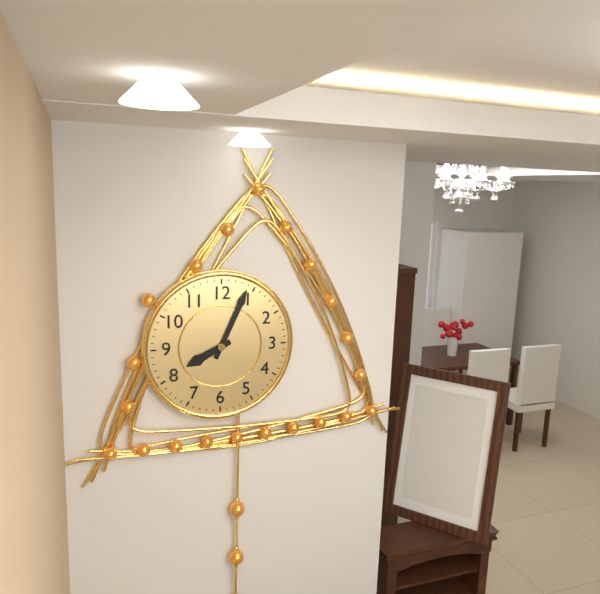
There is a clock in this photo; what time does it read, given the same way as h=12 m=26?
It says h=8 m=4
